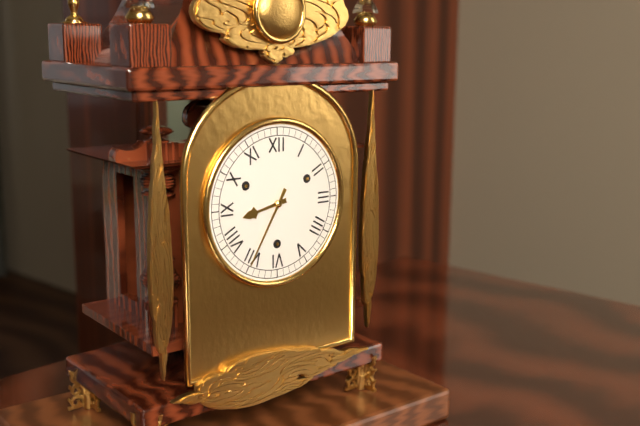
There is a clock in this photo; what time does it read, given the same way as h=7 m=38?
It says h=8 m=35
